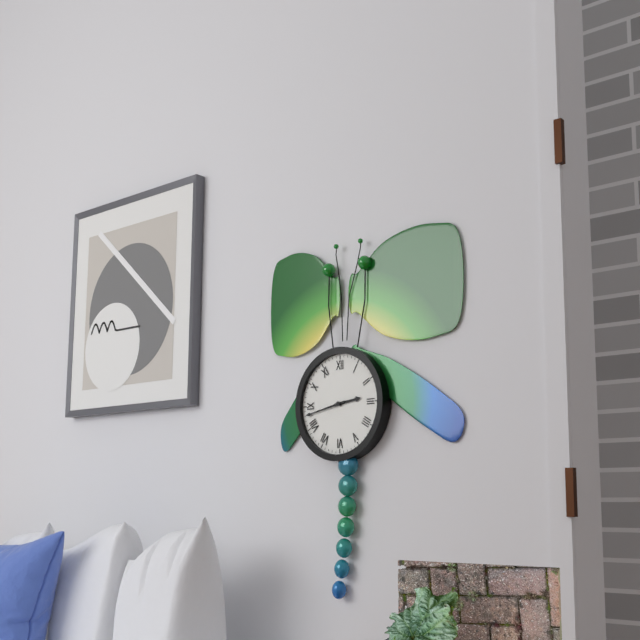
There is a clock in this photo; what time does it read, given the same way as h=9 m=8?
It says h=2 m=43
